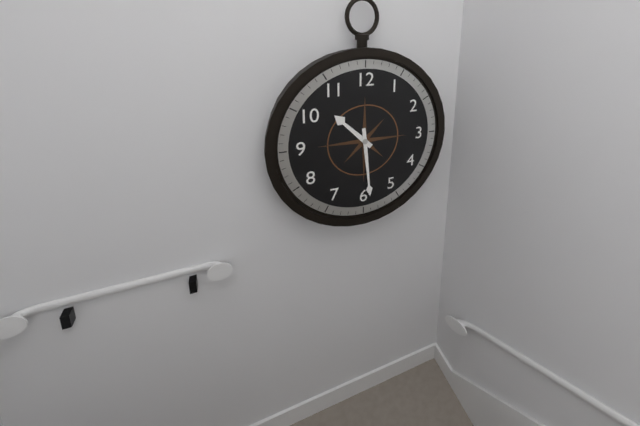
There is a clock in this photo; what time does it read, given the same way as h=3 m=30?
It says h=10 m=29
